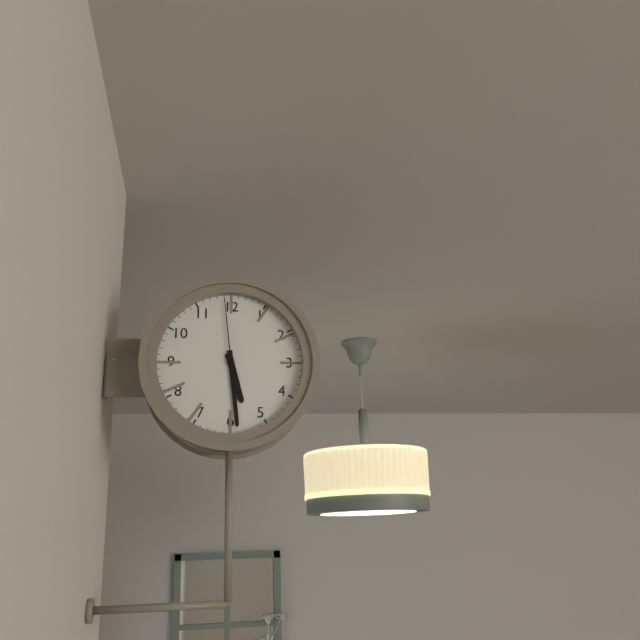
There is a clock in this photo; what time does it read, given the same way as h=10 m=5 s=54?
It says h=5 m=29 s=59
